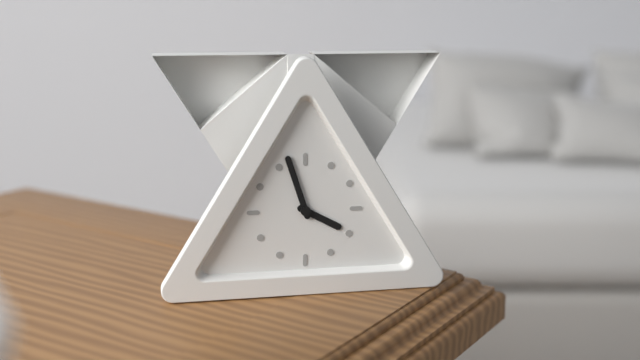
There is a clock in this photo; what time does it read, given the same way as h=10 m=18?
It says h=3 m=57
